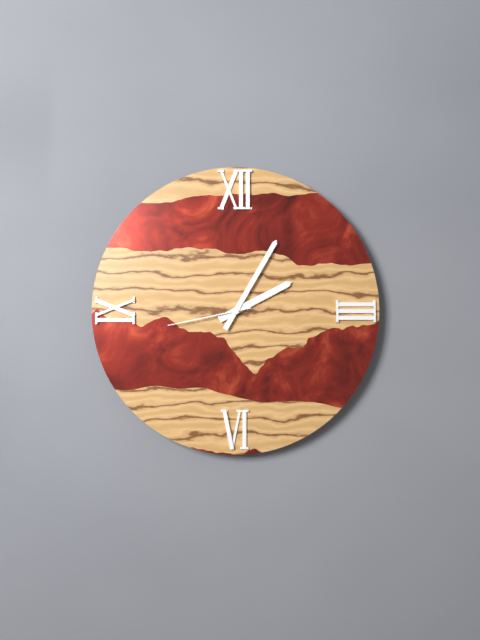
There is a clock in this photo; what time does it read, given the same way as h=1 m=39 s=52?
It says h=2 m=5 s=43
